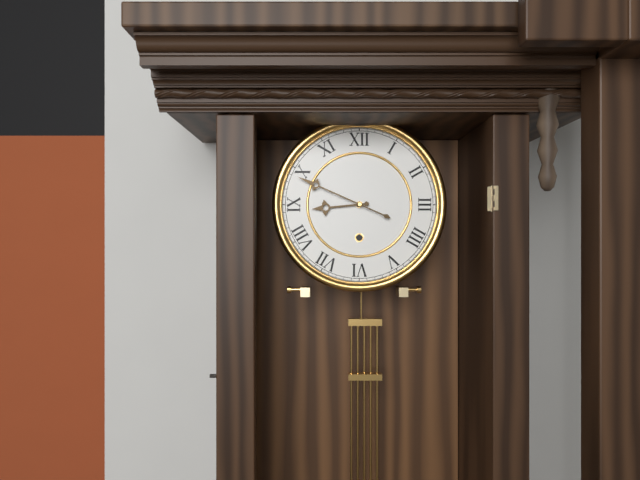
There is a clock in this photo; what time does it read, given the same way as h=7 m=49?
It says h=8 m=49
